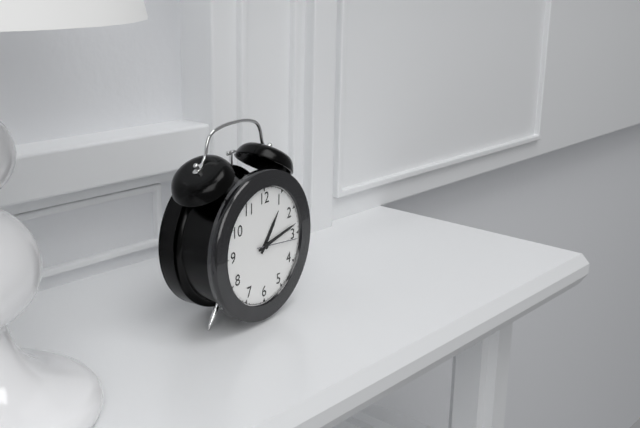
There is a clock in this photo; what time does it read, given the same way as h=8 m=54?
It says h=1 m=13
